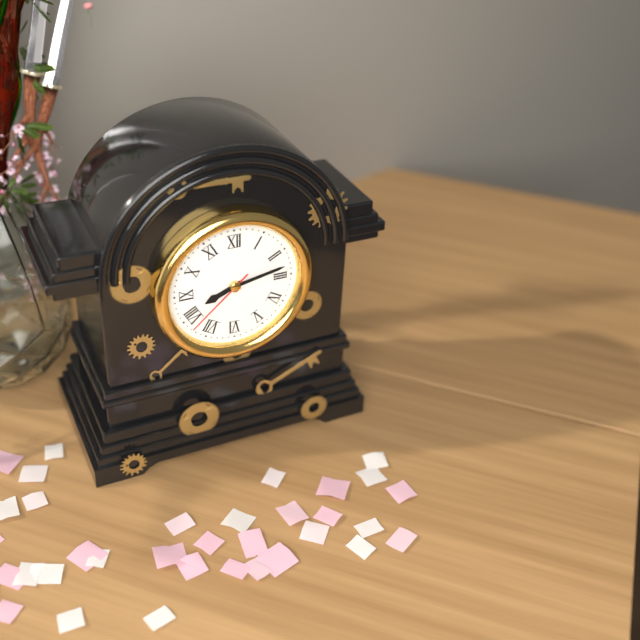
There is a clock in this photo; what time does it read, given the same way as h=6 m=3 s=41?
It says h=8 m=13 s=38
